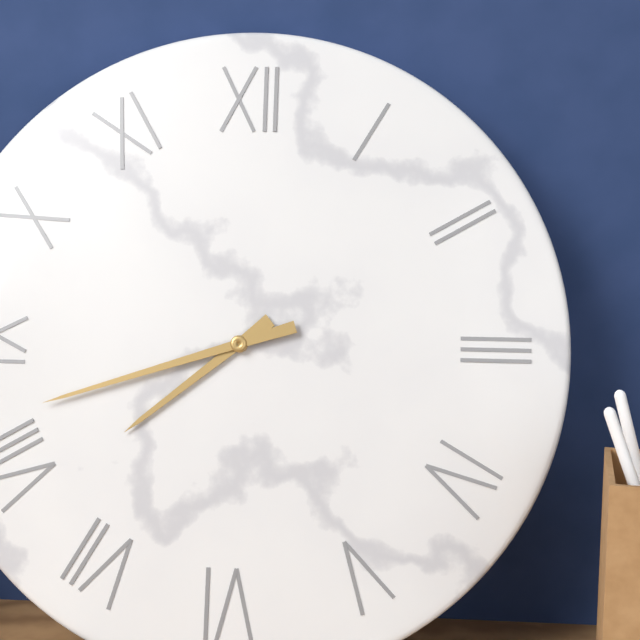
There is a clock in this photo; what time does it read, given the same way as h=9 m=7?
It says h=7 m=42
